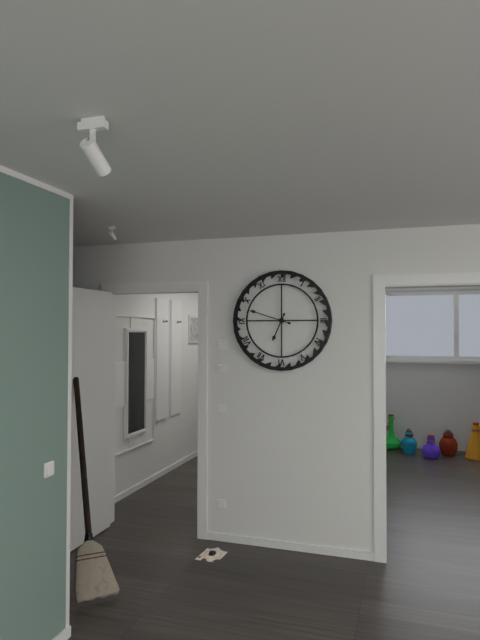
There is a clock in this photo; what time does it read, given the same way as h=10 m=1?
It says h=6 m=48
